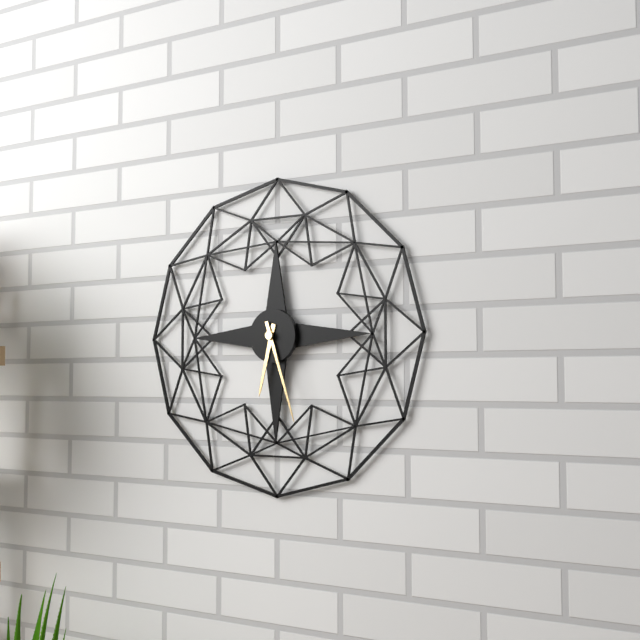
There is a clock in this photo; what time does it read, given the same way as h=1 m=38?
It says h=6 m=27
